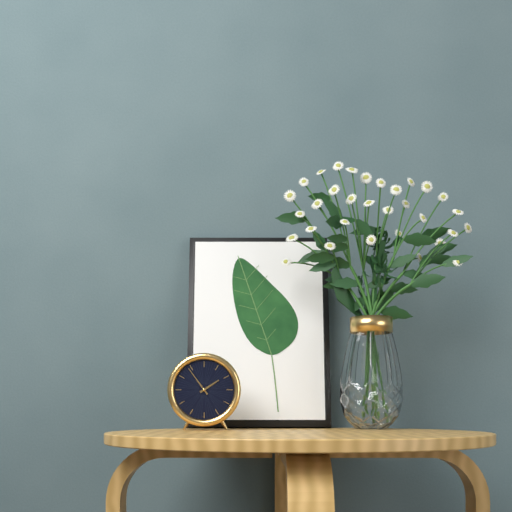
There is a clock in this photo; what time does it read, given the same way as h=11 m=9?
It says h=1 m=54
